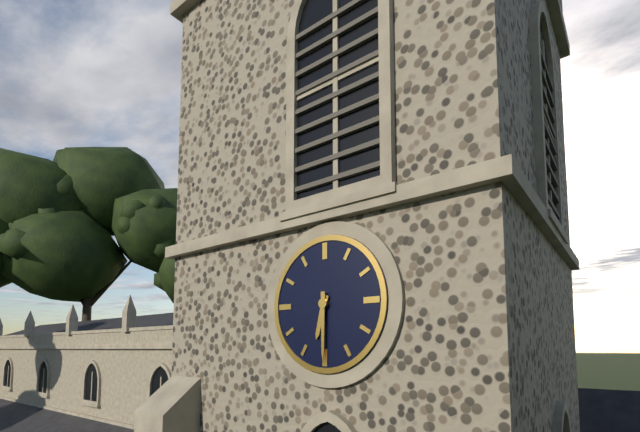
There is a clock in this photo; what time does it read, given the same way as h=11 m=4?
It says h=6 m=30
